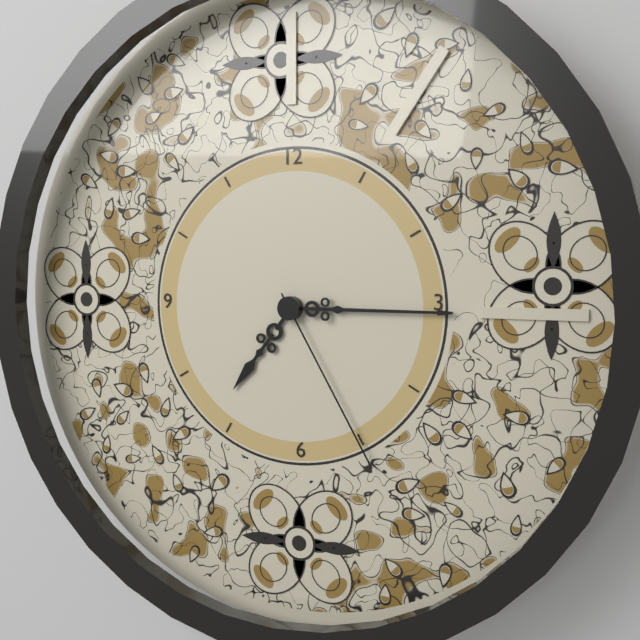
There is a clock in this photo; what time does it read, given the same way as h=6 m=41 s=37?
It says h=7 m=15 s=25
